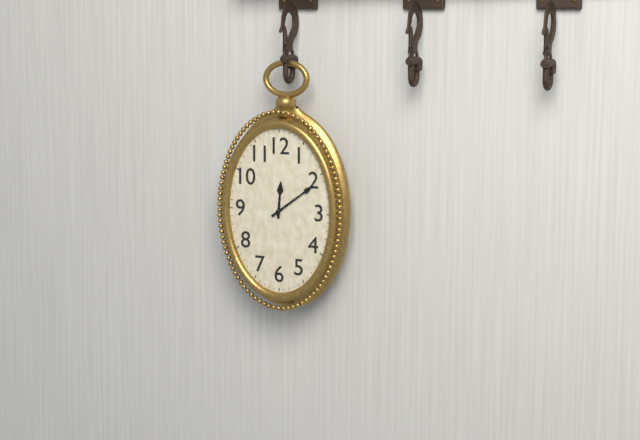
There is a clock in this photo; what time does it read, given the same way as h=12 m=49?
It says h=12 m=9
